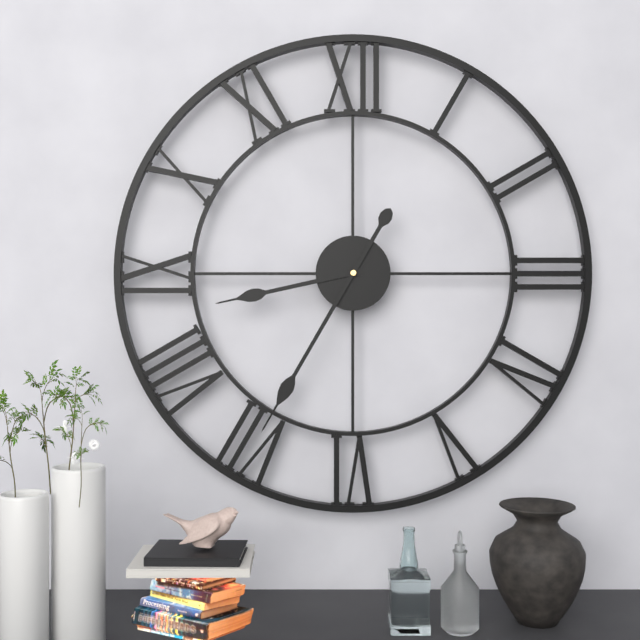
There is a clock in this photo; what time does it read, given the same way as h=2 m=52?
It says h=8 m=35
